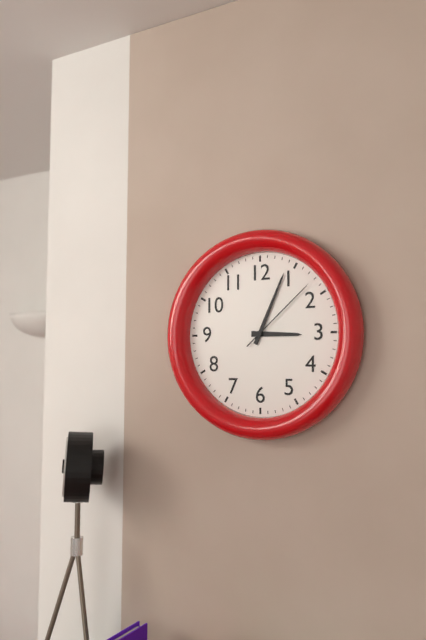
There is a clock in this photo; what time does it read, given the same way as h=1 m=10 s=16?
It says h=3 m=4 s=8
